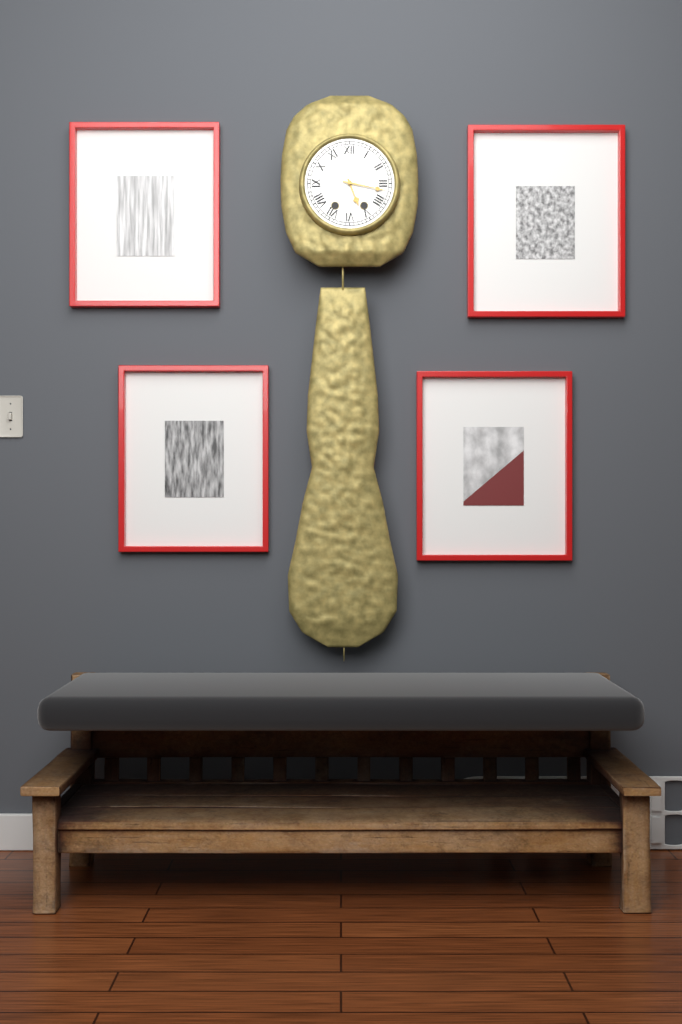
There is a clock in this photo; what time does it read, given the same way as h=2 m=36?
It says h=5 m=17
